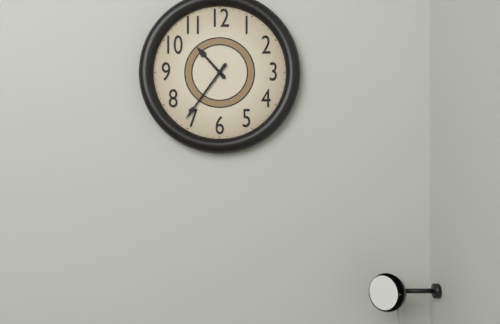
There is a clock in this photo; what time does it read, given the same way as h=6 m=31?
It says h=10 m=36
